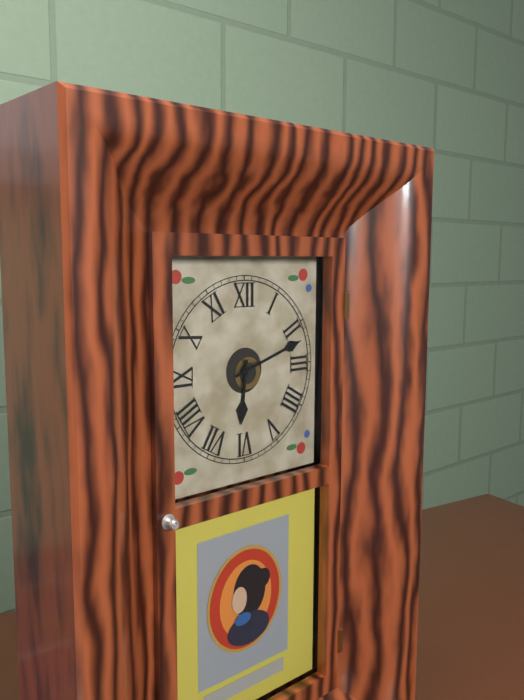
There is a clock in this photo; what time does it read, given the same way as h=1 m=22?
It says h=6 m=12
